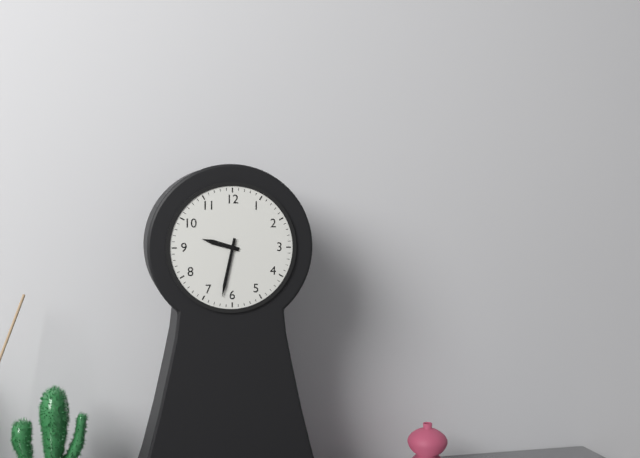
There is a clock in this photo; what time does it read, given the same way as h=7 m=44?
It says h=9 m=32
